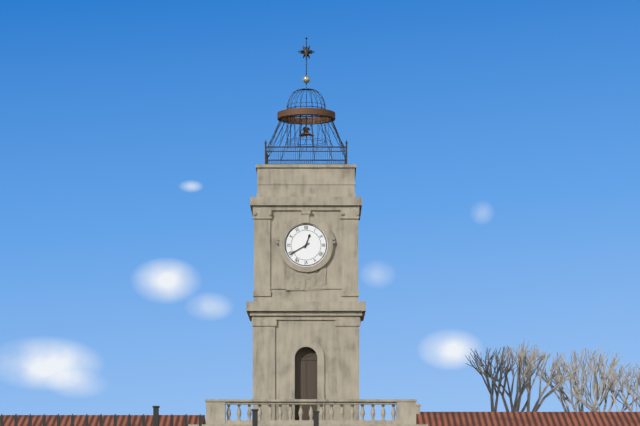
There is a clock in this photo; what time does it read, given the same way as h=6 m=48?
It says h=12 m=40
